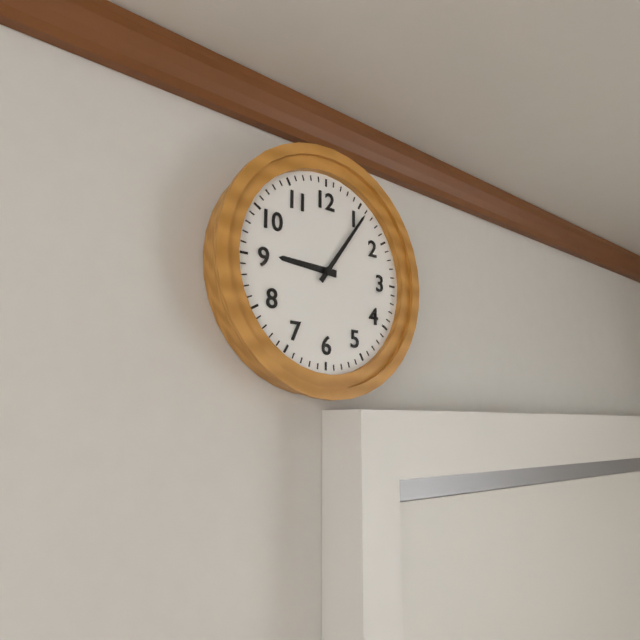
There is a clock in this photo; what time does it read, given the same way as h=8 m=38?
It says h=9 m=6
